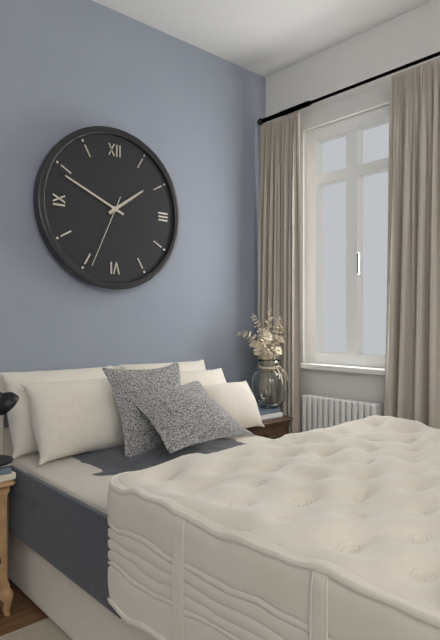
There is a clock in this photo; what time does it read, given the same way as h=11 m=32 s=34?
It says h=1 m=49 s=34
